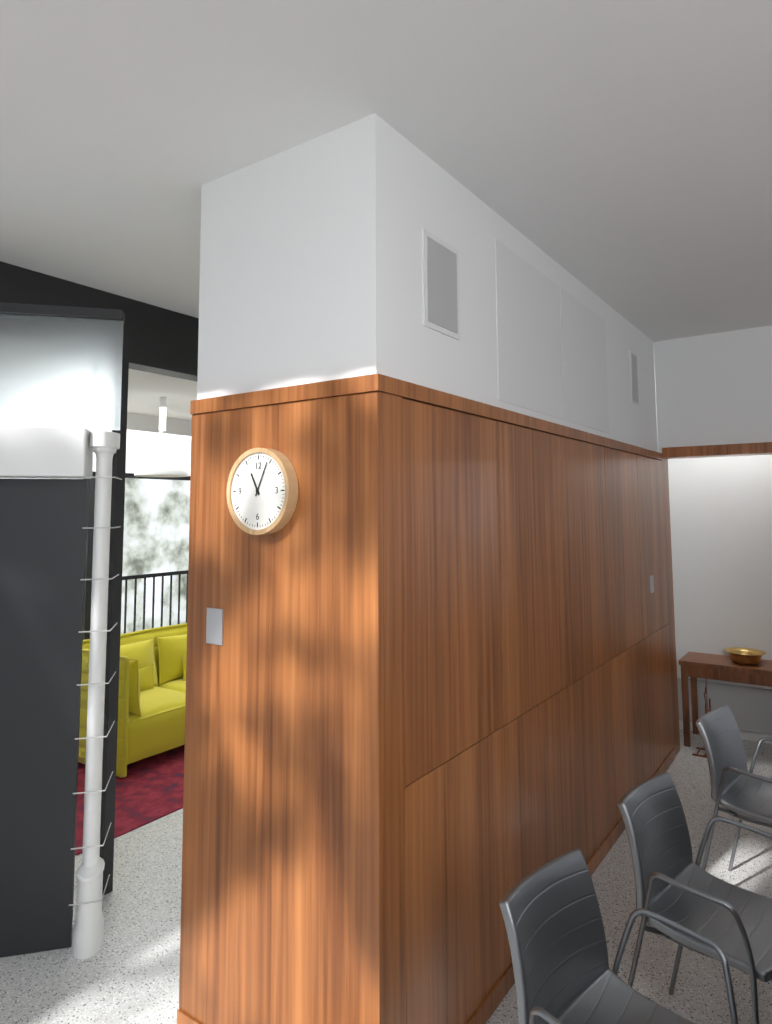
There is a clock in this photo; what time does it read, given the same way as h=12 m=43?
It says h=11 m=4
